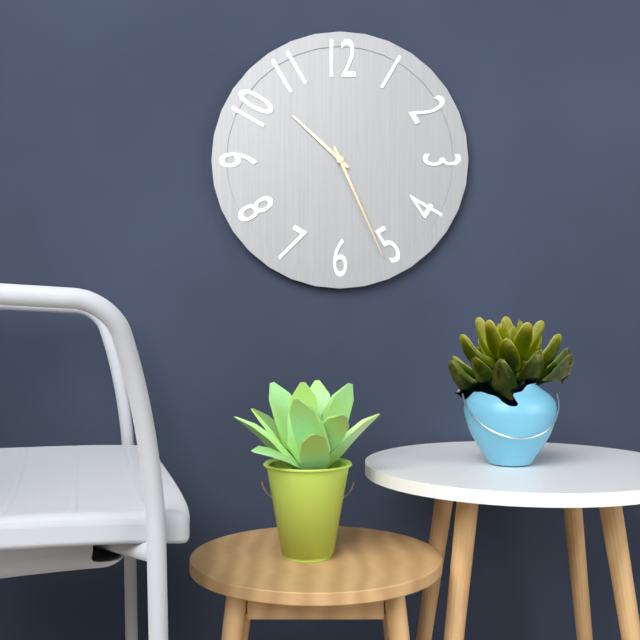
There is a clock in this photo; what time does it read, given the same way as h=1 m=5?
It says h=10 m=26
